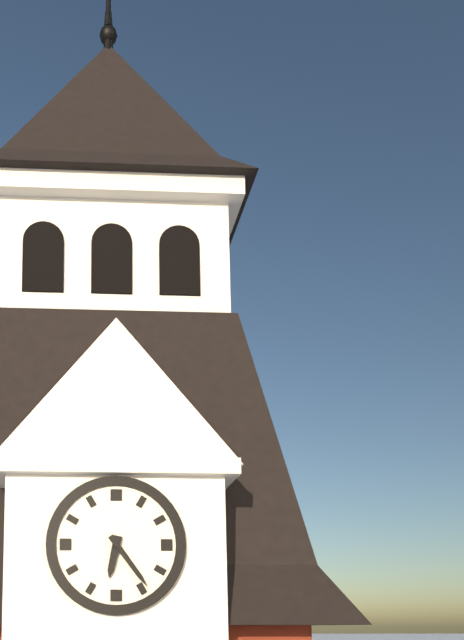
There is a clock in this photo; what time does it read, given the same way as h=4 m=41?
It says h=6 m=24
